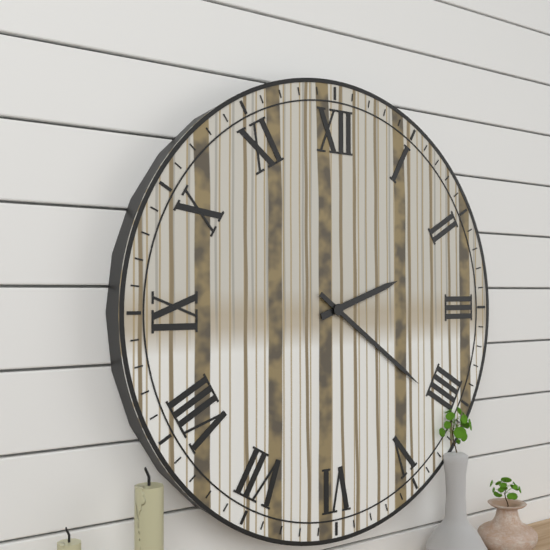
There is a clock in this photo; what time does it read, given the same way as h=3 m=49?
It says h=2 m=21
